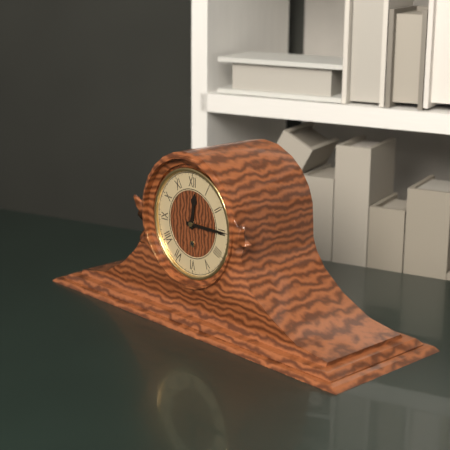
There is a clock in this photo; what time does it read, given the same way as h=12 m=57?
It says h=12 m=15
